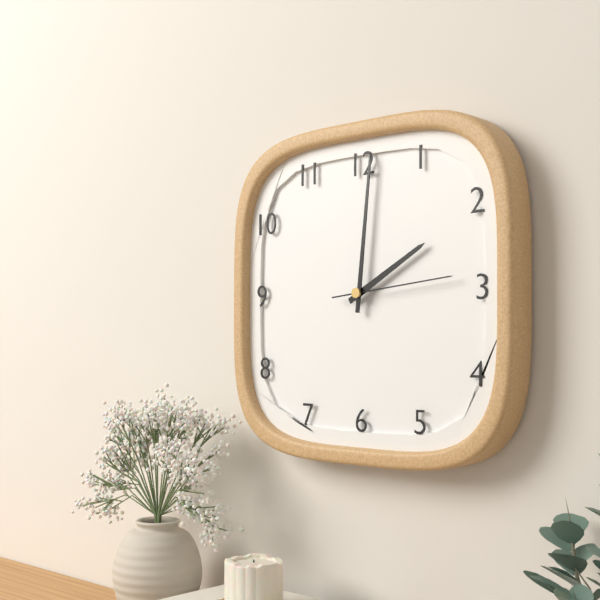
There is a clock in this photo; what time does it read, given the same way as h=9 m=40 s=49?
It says h=2 m=1 s=14
